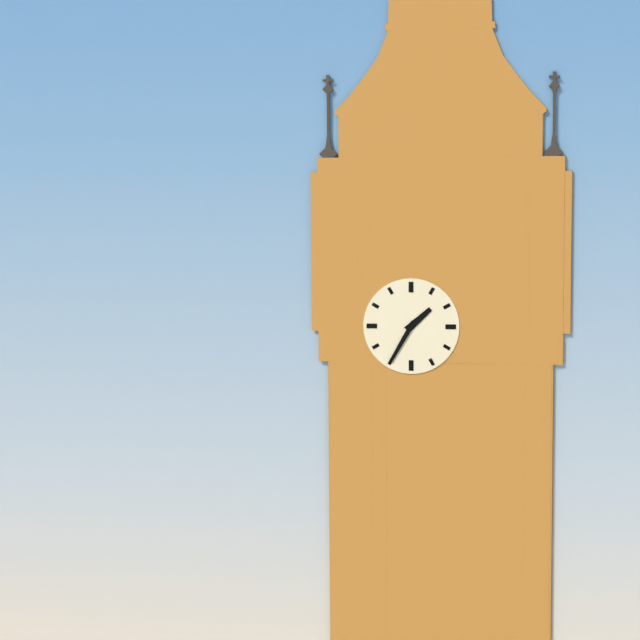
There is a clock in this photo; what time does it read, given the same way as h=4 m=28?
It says h=1 m=35
